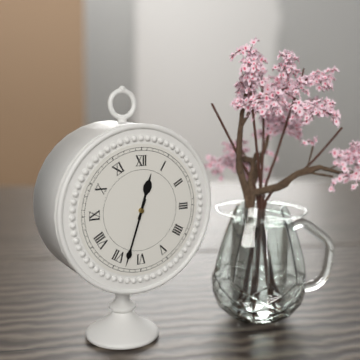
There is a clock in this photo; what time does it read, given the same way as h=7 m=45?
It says h=12 m=33
